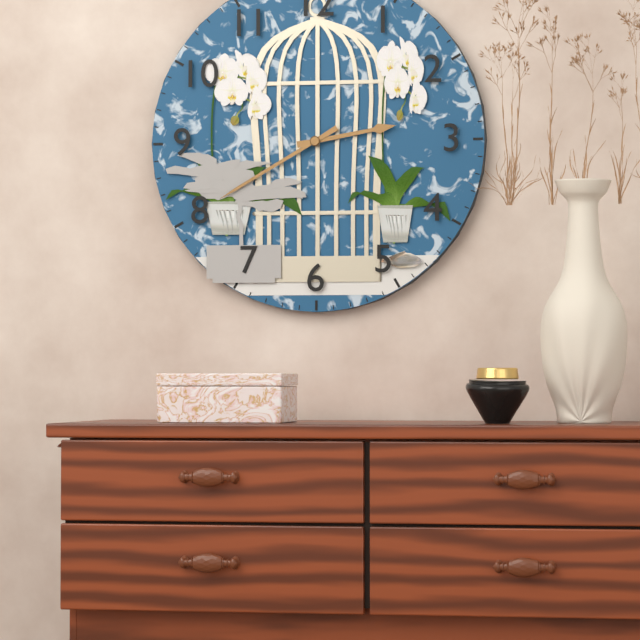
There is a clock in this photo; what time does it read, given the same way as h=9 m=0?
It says h=2 m=40
